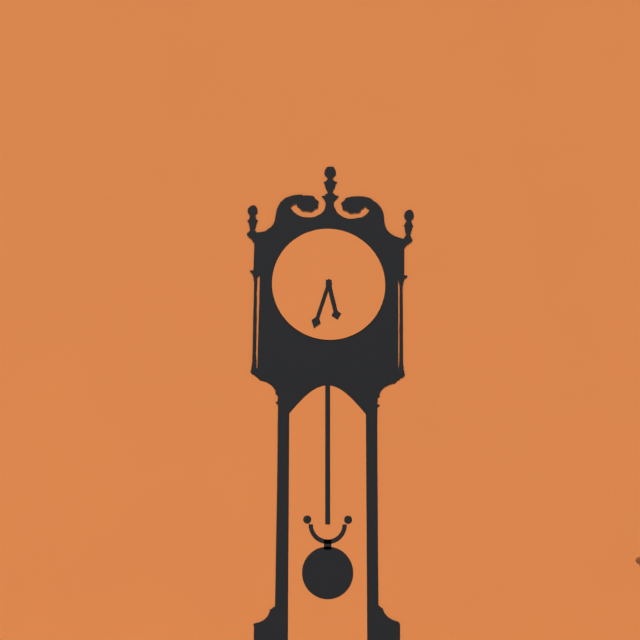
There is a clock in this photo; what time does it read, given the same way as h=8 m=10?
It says h=5 m=33
